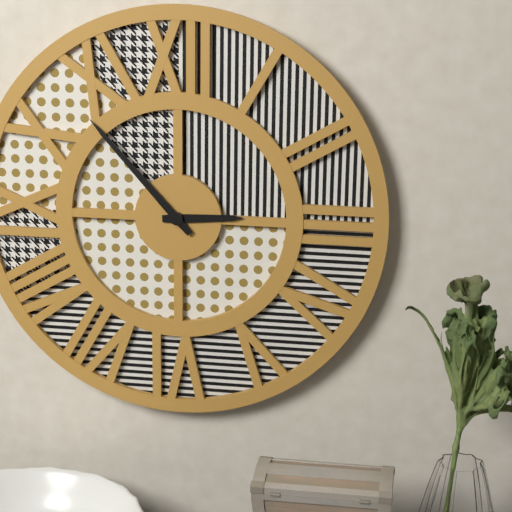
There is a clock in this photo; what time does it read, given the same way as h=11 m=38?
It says h=2 m=53
